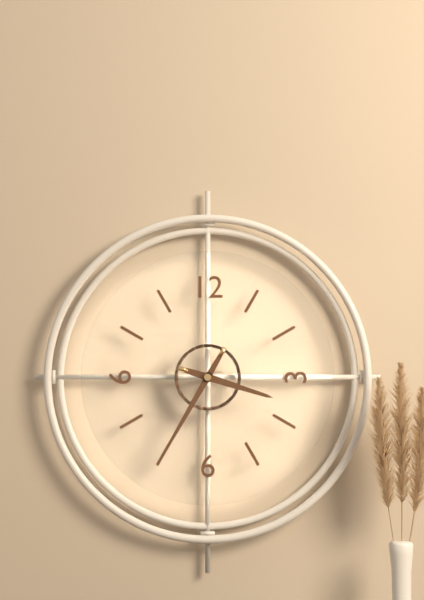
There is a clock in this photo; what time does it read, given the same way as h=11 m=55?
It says h=3 m=35
